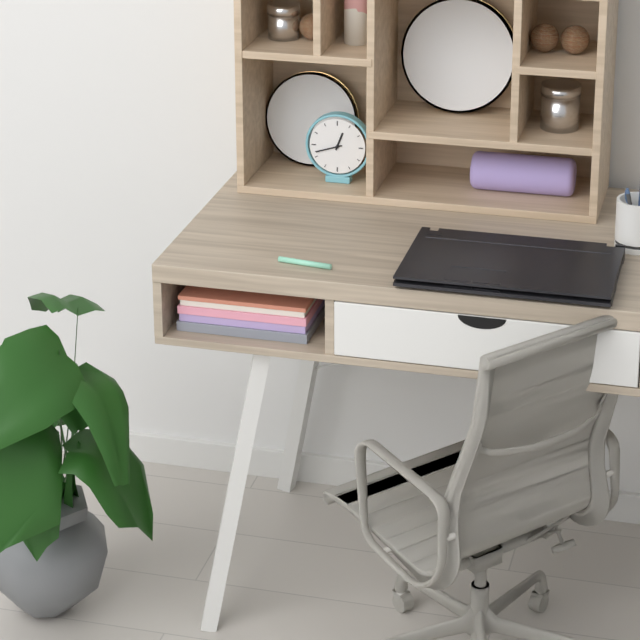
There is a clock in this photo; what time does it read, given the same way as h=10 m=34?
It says h=12 m=42
